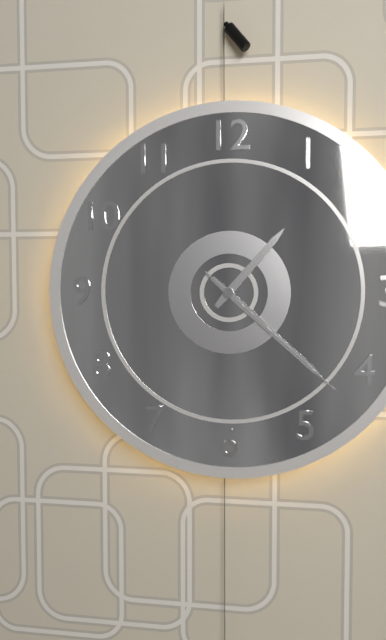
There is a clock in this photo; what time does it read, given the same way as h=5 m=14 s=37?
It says h=1 m=22 s=22
